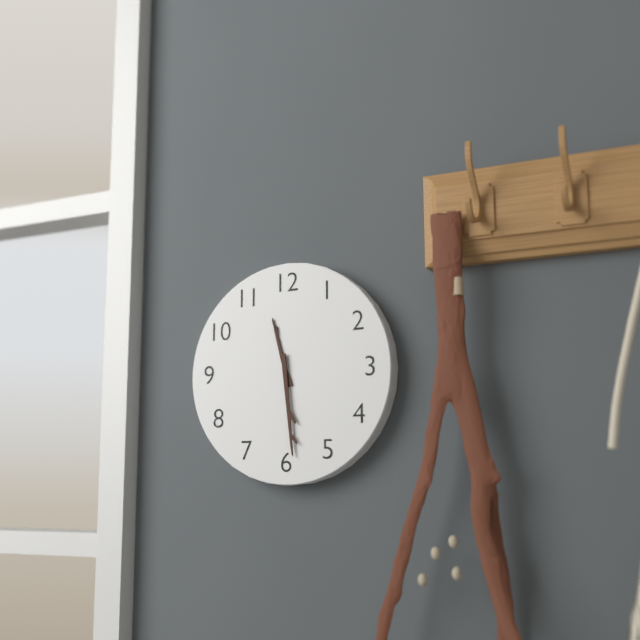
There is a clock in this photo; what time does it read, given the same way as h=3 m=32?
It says h=11 m=29
